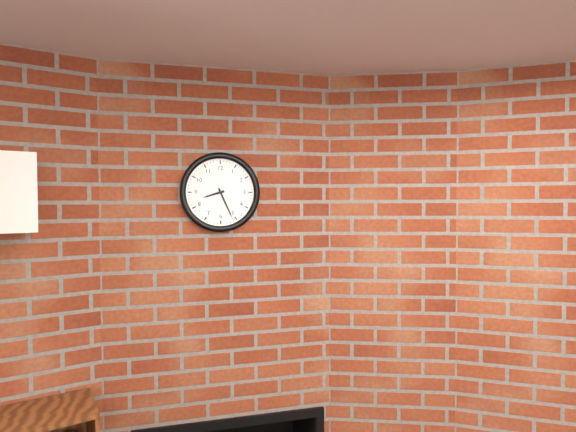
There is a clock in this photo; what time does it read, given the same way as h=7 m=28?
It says h=8 m=26
